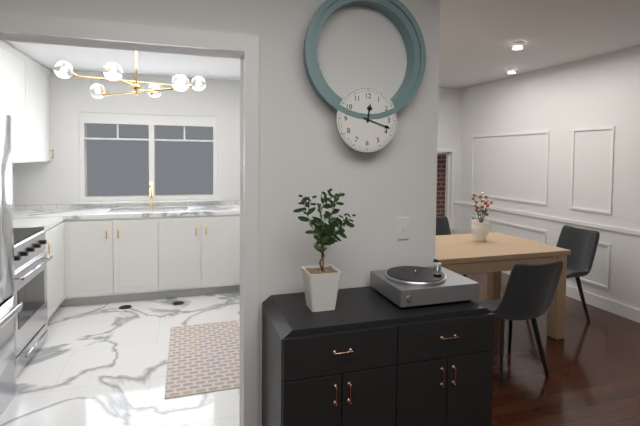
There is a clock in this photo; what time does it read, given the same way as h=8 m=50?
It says h=12 m=18
